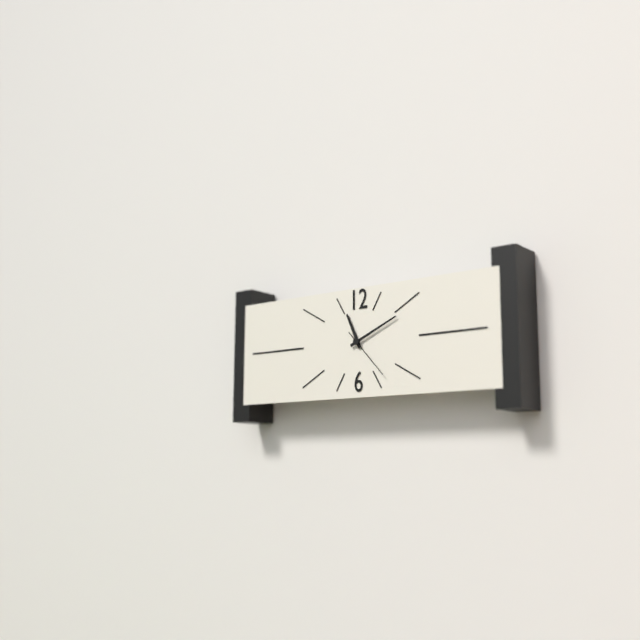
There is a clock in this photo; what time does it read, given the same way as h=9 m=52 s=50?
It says h=11 m=11 s=23
